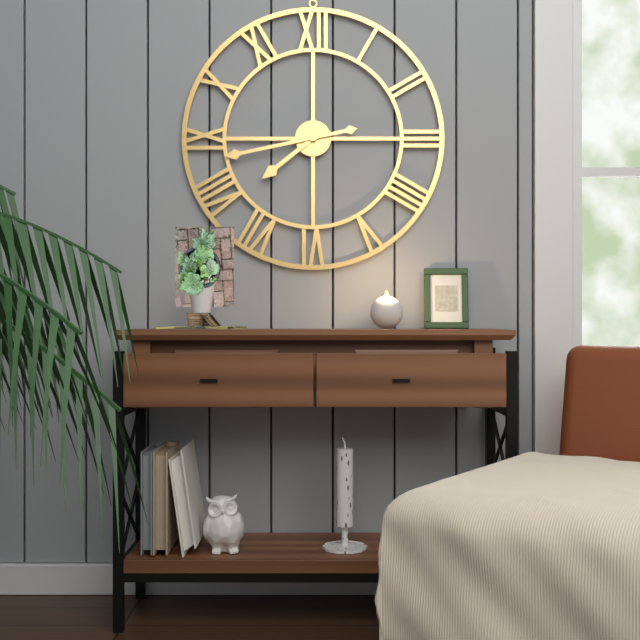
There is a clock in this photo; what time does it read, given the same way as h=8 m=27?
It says h=7 m=43
